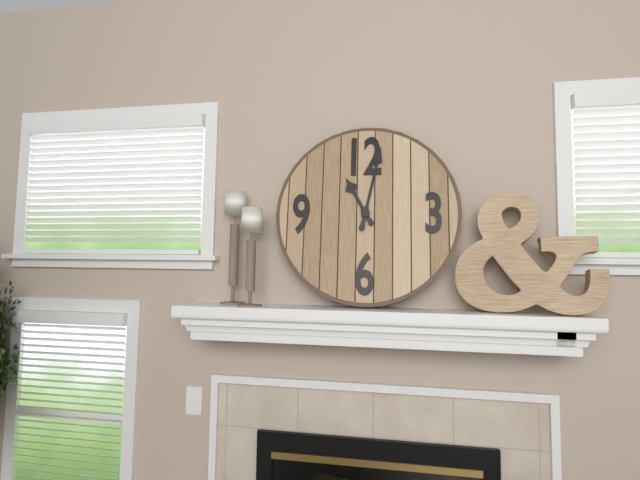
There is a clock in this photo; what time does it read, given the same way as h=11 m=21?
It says h=11 m=2
